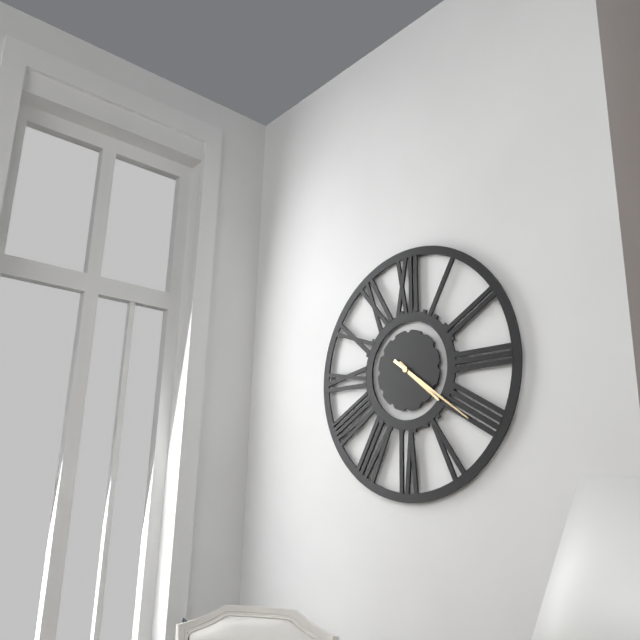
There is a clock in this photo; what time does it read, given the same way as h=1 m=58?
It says h=4 m=21
